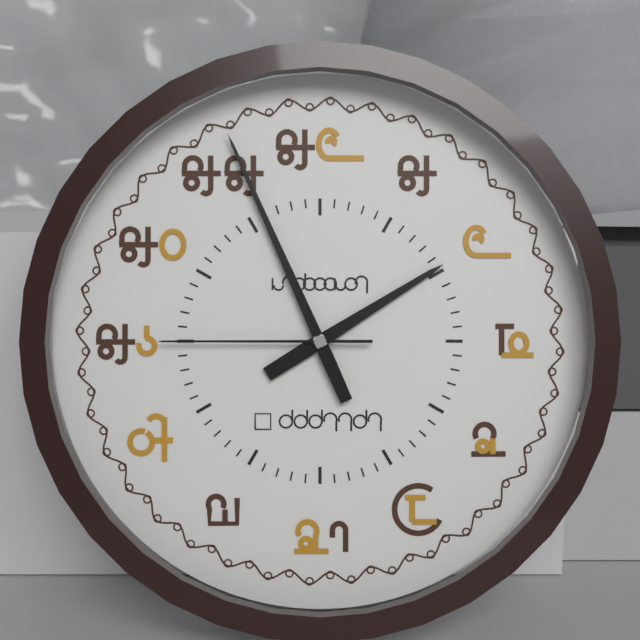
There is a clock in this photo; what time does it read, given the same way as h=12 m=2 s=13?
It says h=1 m=56 s=45
